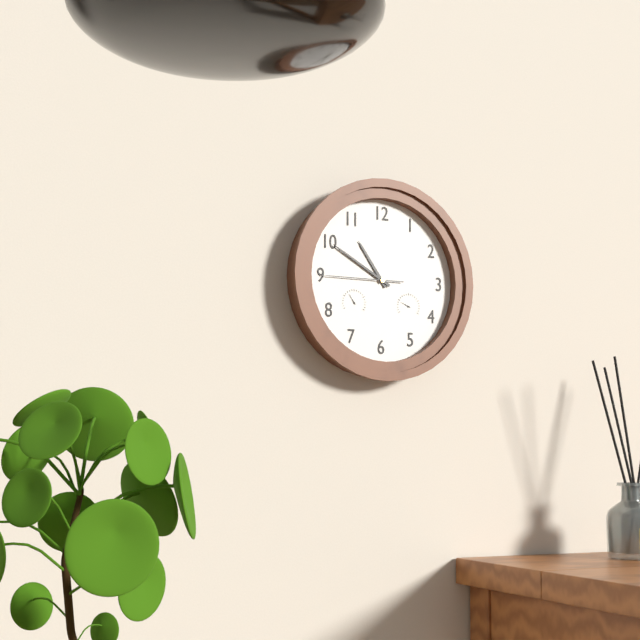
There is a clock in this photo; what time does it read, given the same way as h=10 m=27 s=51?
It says h=10 m=50 s=45
